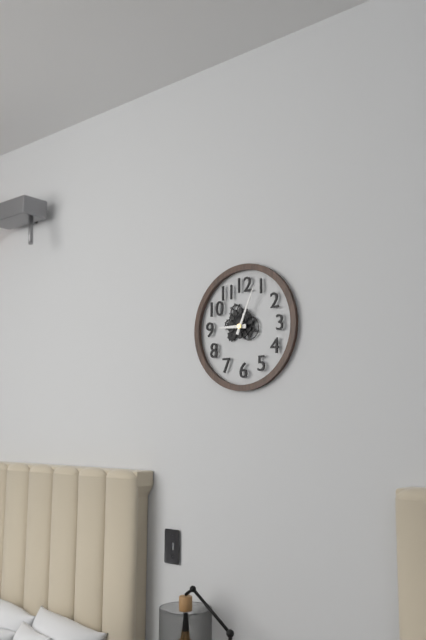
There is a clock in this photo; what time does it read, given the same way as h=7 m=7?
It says h=9 m=4
